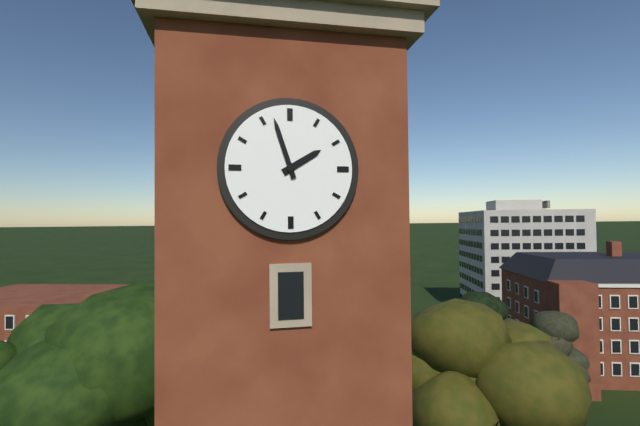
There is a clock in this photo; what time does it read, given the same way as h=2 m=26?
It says h=1 m=57
